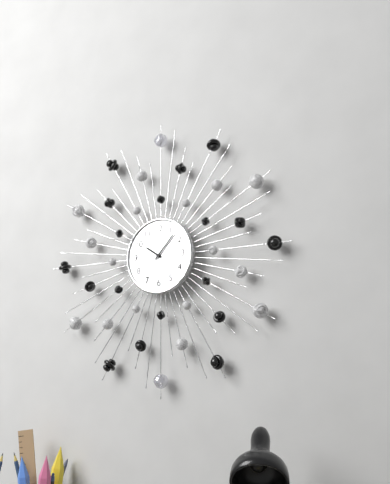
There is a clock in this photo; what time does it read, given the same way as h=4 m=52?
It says h=10 m=7
